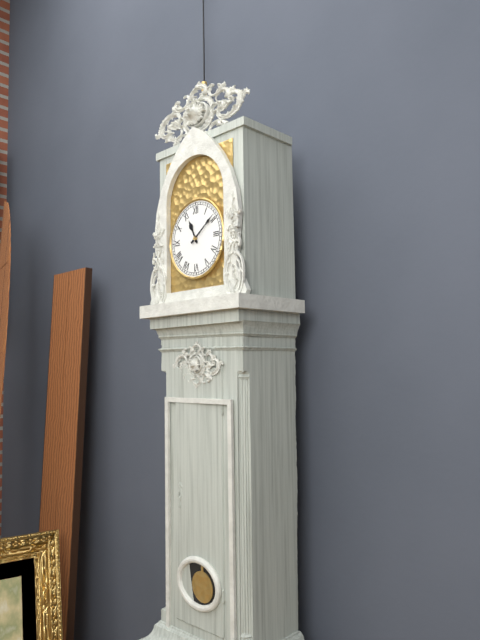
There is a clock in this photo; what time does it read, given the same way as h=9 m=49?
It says h=11 m=9
